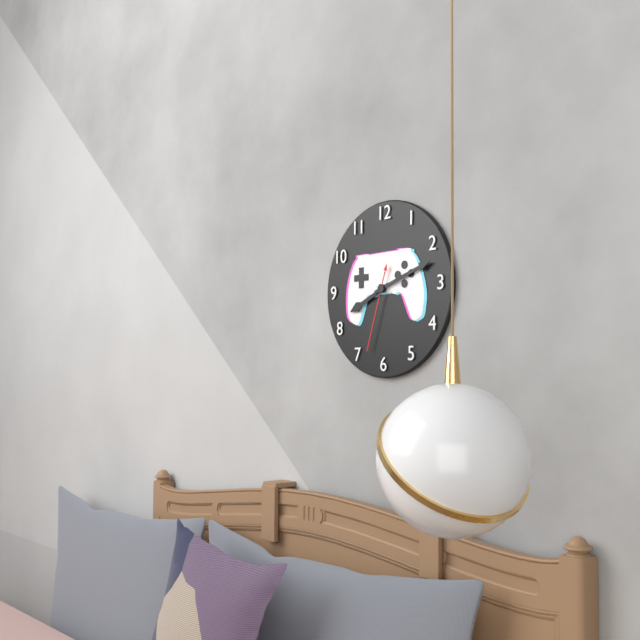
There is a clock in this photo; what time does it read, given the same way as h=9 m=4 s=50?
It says h=8 m=12 s=33
